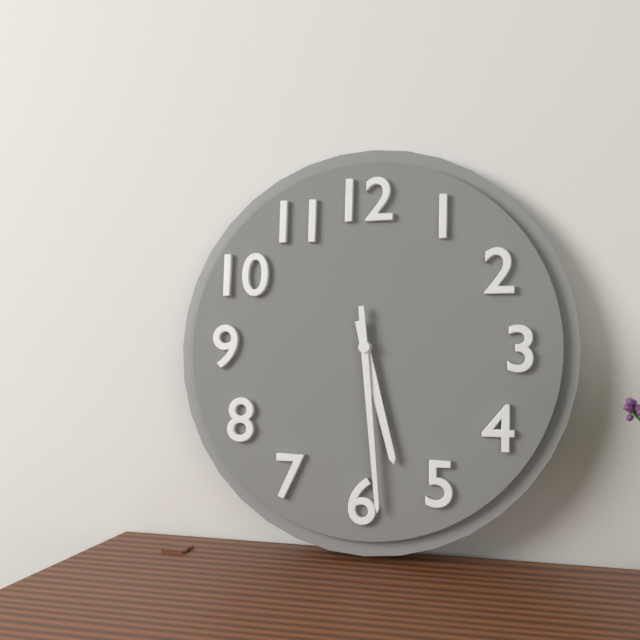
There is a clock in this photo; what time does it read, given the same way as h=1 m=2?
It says h=5 m=29
